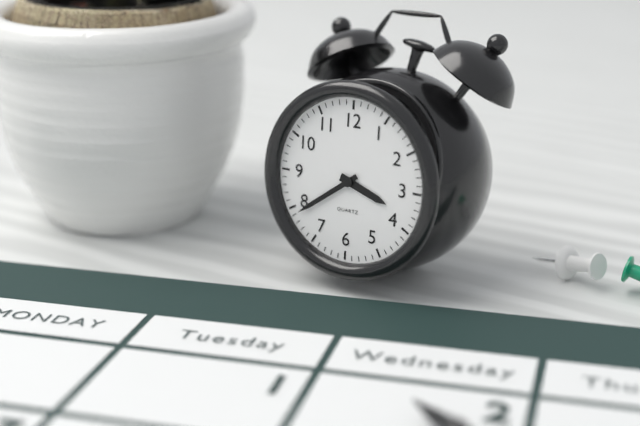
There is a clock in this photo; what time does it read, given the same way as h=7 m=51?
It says h=3 m=39
